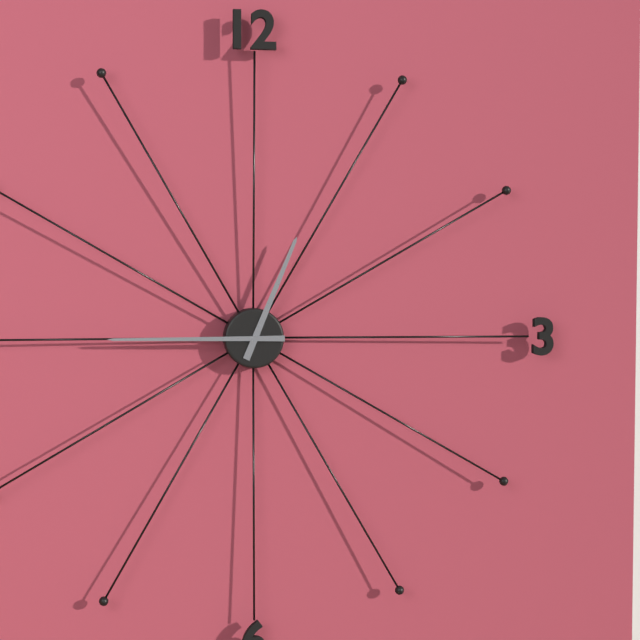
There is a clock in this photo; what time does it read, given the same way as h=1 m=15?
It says h=12 m=45
